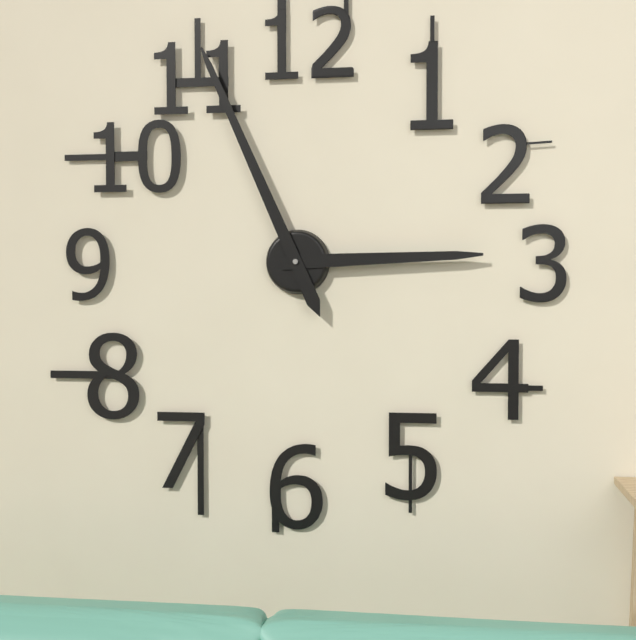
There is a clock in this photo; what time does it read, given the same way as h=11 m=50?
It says h=2 m=56
